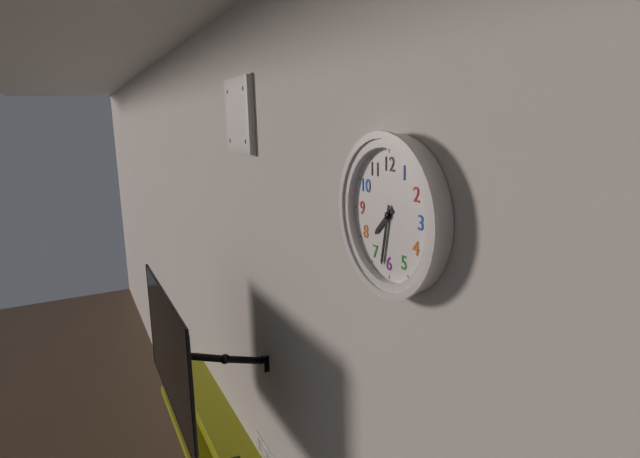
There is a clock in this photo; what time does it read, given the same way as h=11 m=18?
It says h=7 m=32
